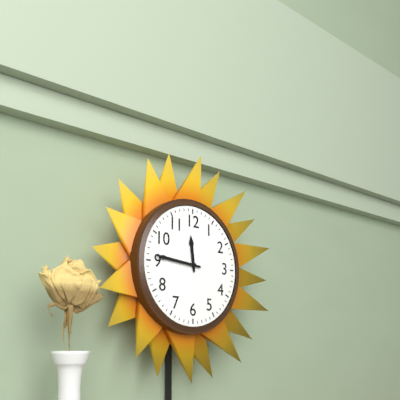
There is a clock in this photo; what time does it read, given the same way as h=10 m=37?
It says h=11 m=46
